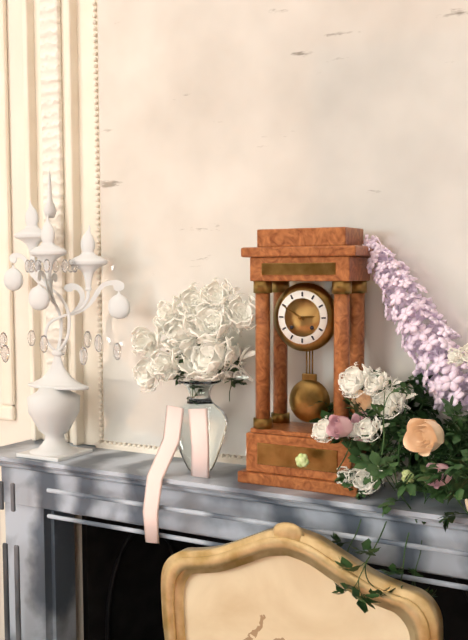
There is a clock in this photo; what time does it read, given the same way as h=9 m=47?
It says h=2 m=50
